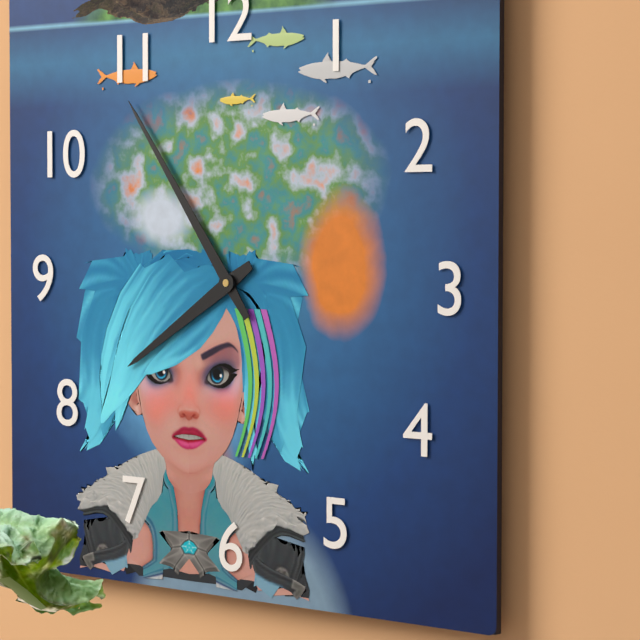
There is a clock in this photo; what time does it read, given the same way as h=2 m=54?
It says h=7 m=54
